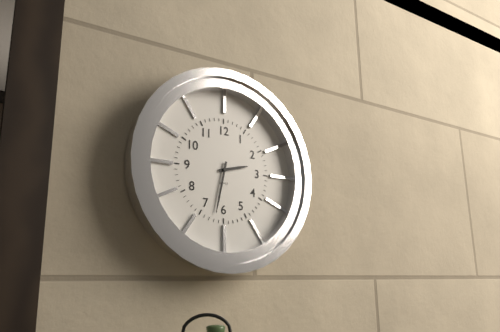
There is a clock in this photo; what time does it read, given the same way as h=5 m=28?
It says h=2 m=32
